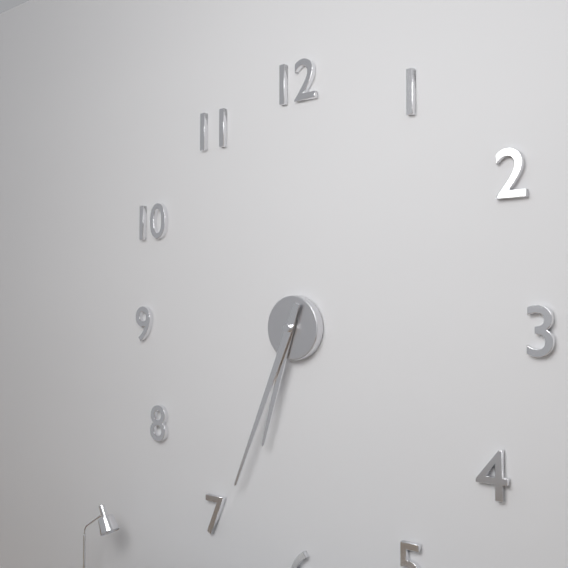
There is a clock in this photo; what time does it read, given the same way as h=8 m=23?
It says h=6 m=34
